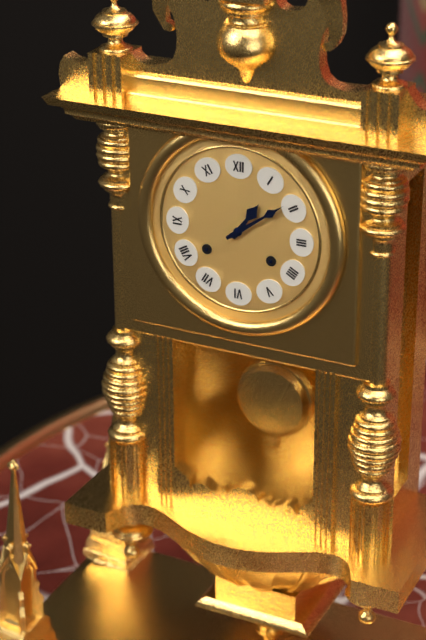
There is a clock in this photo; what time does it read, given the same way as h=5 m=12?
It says h=1 m=9
